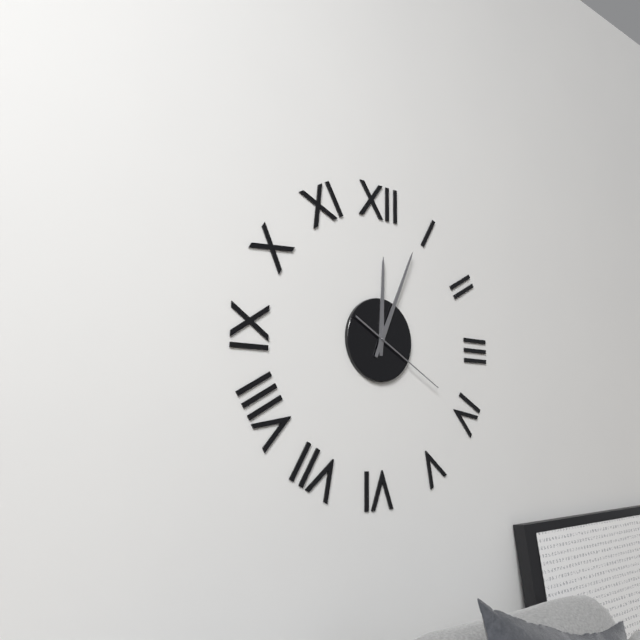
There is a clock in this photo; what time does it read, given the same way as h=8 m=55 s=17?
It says h=12 m=4 s=20
